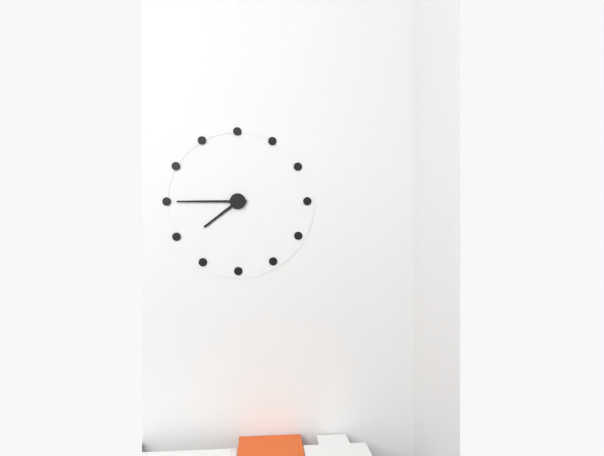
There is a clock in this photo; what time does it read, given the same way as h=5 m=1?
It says h=7 m=45
